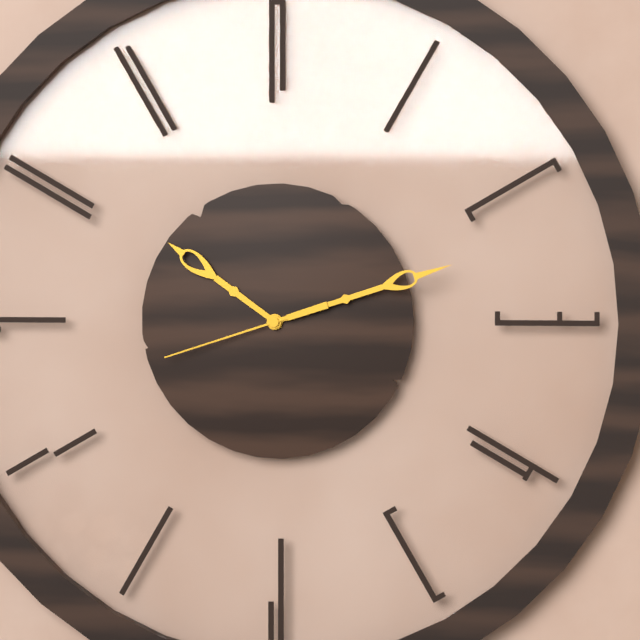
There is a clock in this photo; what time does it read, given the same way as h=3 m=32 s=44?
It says h=10 m=12 s=42
